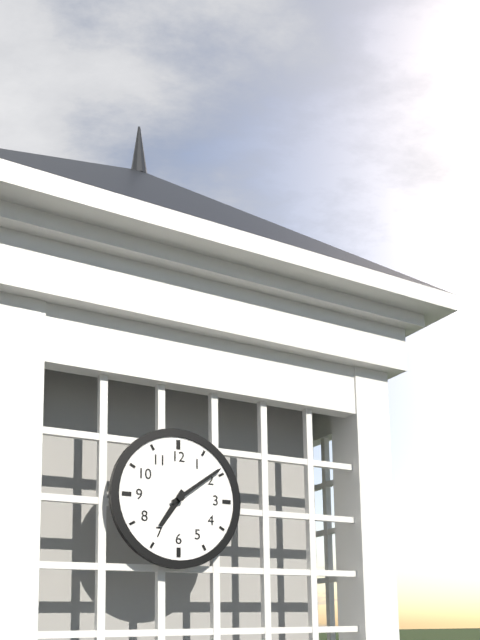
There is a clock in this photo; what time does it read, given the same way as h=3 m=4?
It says h=7 m=9
